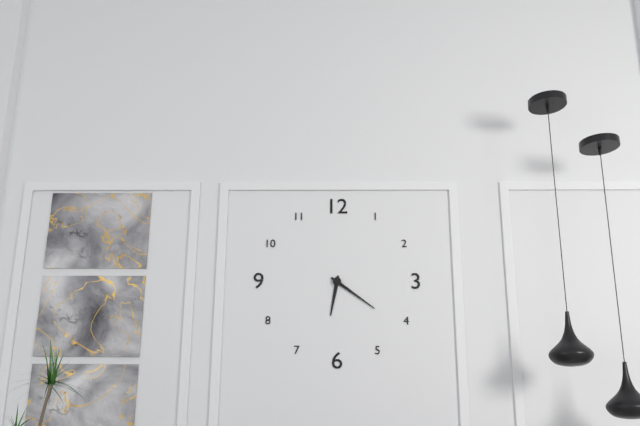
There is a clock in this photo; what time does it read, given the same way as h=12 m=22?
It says h=6 m=21
